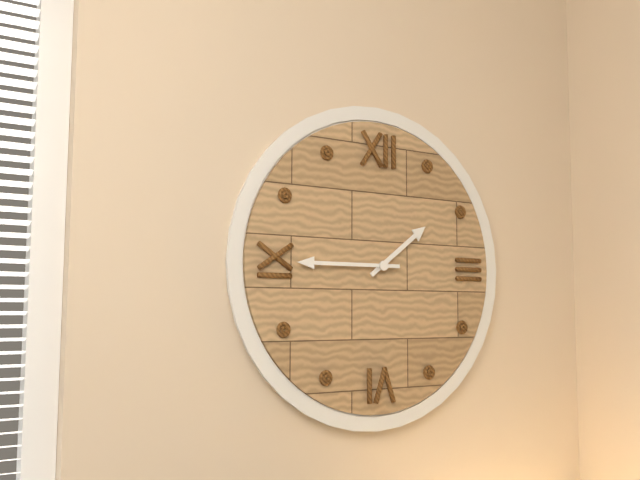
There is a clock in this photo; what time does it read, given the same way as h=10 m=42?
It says h=1 m=45
